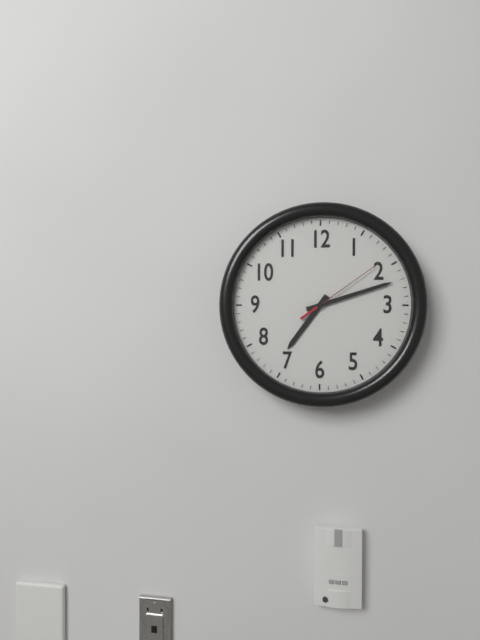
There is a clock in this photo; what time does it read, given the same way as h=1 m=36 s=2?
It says h=7 m=12 s=9
